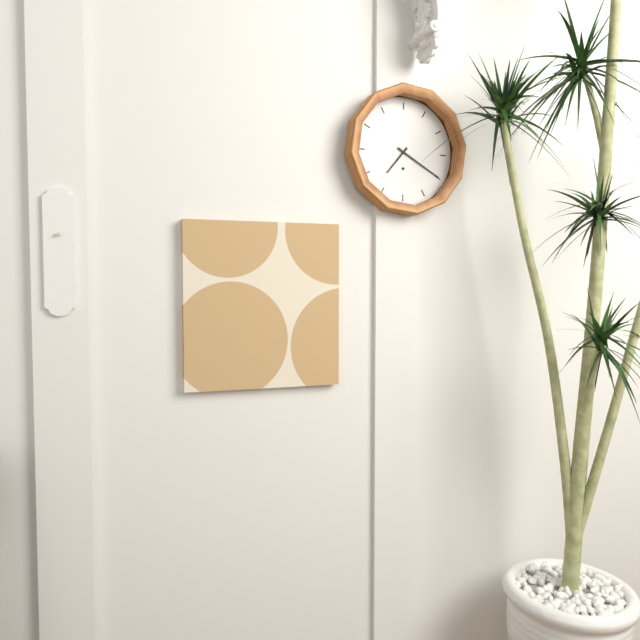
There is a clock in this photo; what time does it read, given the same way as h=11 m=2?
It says h=7 m=20
